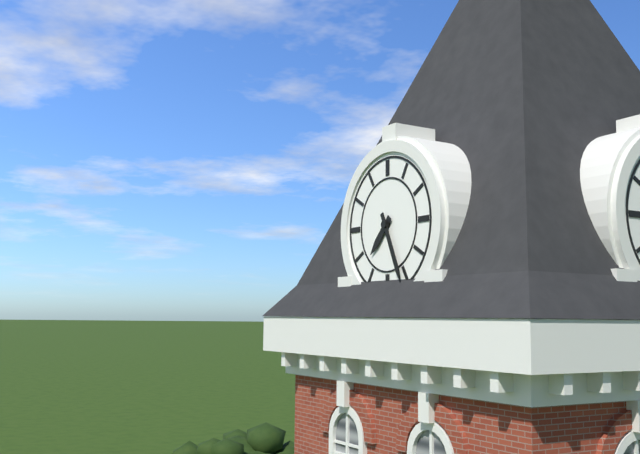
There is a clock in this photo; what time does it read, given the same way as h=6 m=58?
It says h=7 m=26
